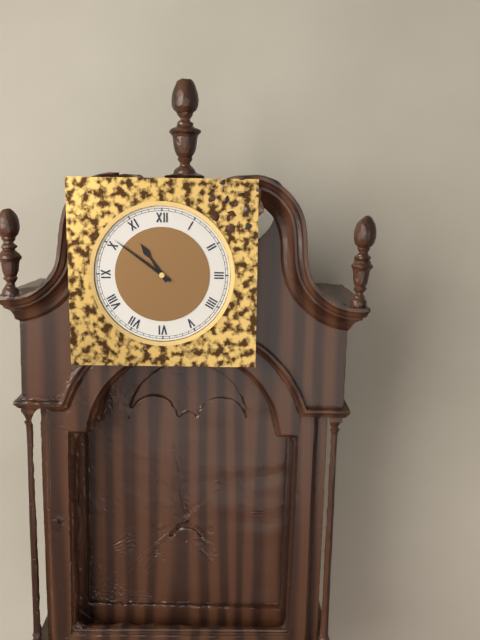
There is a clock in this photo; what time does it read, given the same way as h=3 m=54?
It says h=10 m=51
